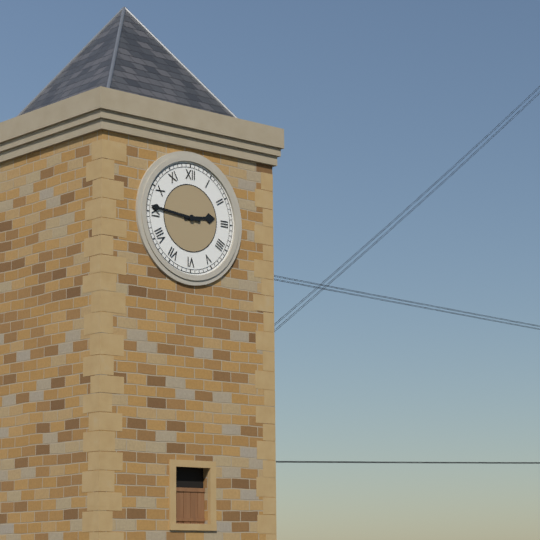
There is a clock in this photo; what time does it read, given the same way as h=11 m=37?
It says h=2 m=46
